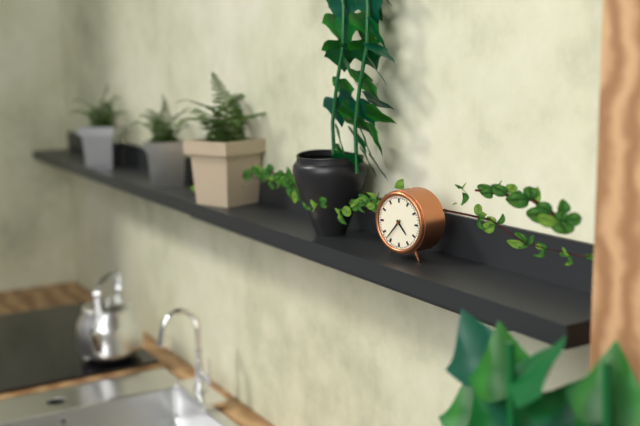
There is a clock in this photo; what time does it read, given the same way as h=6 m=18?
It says h=4 m=37
